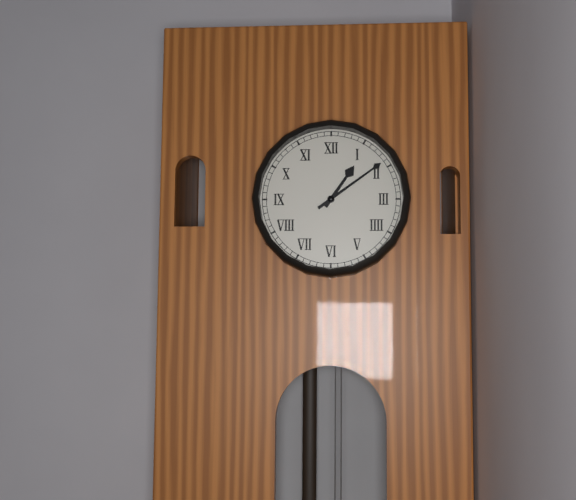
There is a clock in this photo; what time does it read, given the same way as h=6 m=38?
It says h=1 m=9
